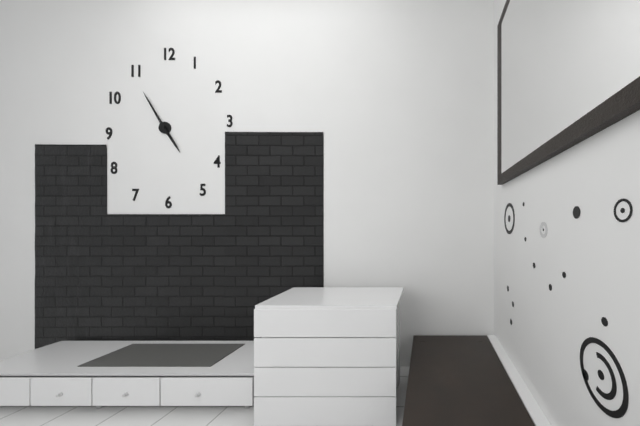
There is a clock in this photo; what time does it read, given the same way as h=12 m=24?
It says h=4 m=55
